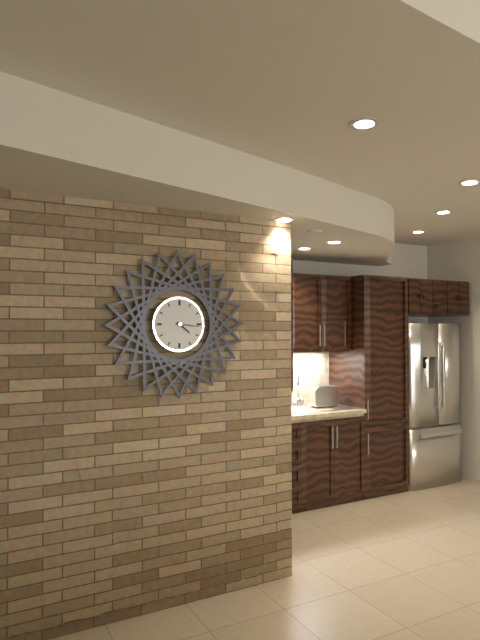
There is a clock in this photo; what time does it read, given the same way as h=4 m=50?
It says h=4 m=16
